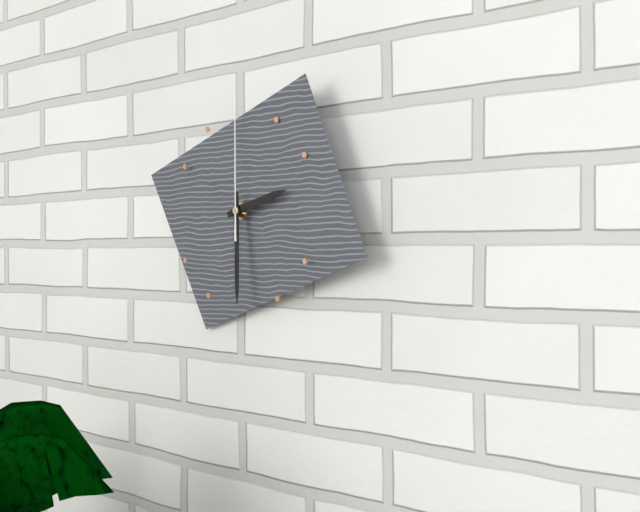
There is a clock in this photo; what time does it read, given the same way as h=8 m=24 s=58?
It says h=2 m=30 s=0
